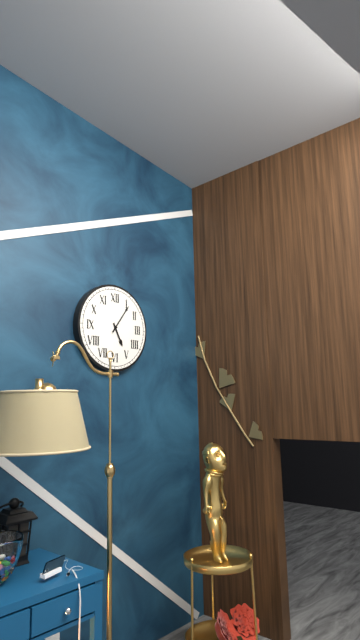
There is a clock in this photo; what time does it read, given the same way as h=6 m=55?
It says h=5 m=6
